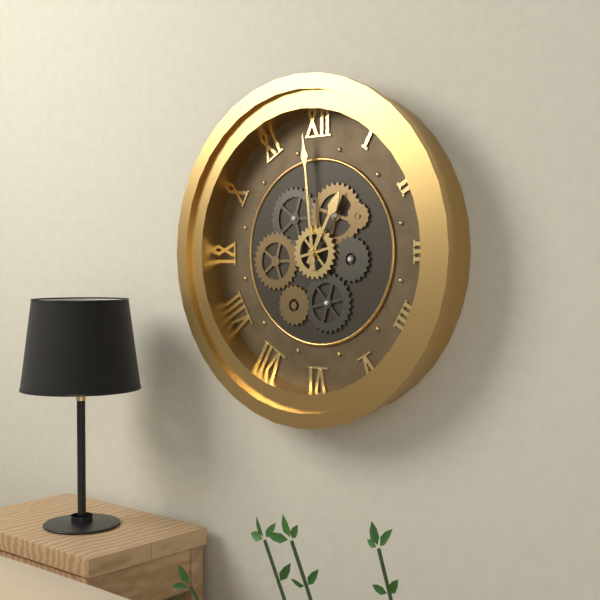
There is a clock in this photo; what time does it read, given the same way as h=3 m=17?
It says h=12 m=59
